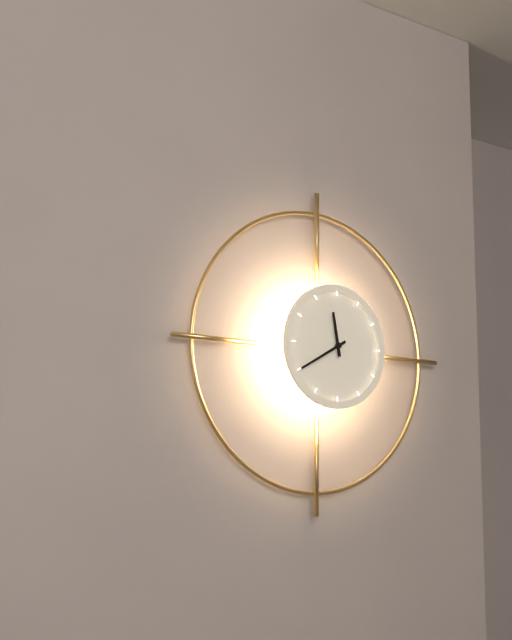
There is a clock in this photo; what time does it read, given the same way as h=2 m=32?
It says h=11 m=40
